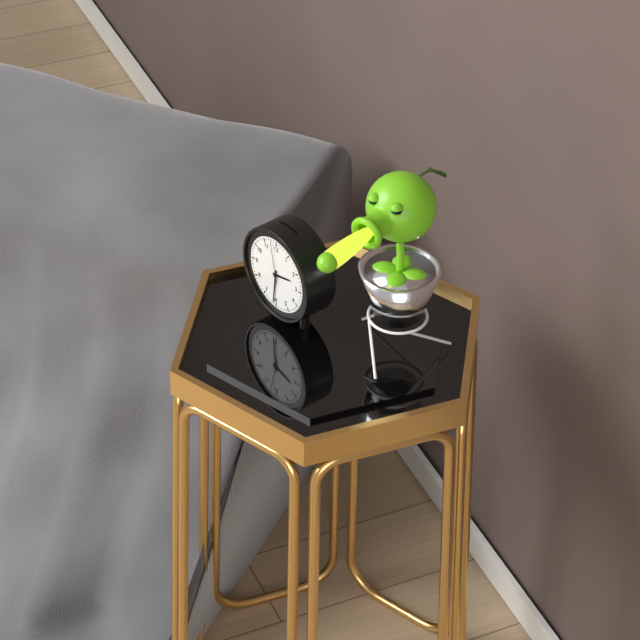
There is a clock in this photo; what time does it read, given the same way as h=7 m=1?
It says h=2 m=31
